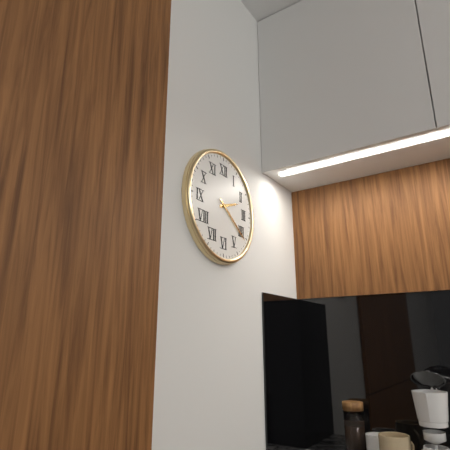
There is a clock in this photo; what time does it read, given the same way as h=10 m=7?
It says h=2 m=21
